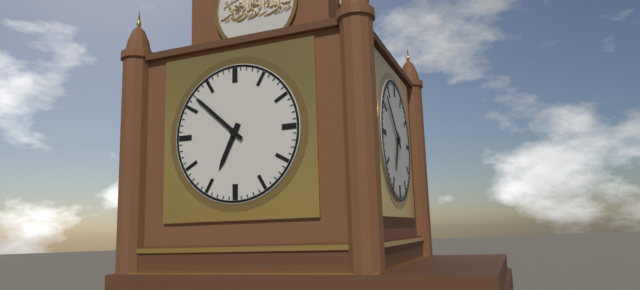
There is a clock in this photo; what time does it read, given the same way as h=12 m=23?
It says h=6 m=52
